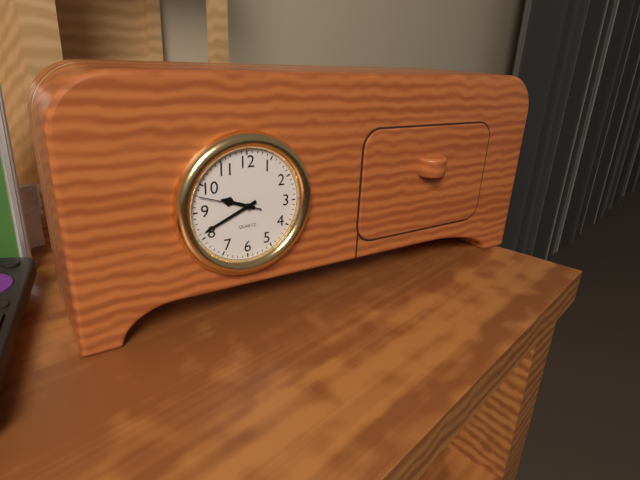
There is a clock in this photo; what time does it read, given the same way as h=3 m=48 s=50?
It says h=9 m=41 s=48
